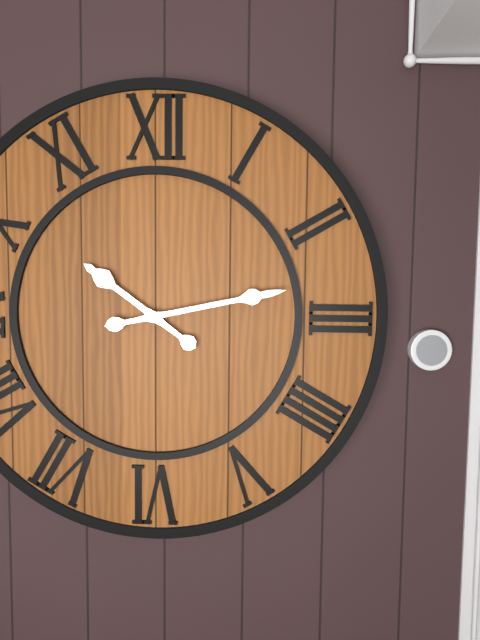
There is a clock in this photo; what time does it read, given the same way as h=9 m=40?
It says h=10 m=13
